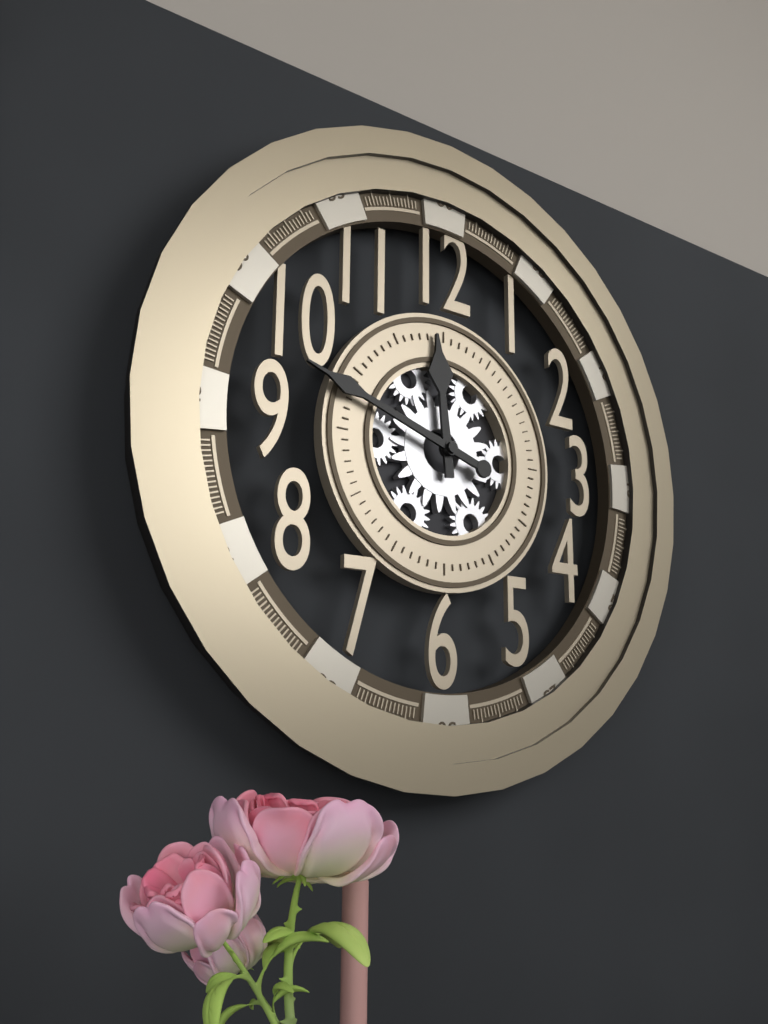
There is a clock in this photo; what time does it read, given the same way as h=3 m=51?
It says h=11 m=48
